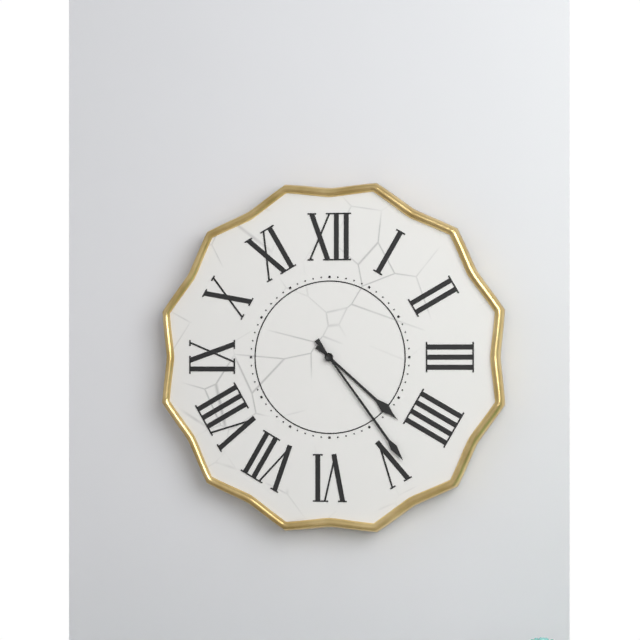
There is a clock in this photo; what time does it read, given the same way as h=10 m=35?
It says h=4 m=24
